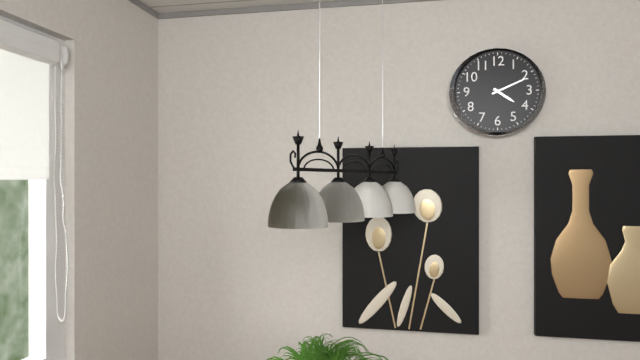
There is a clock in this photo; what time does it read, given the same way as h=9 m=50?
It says h=4 m=11
